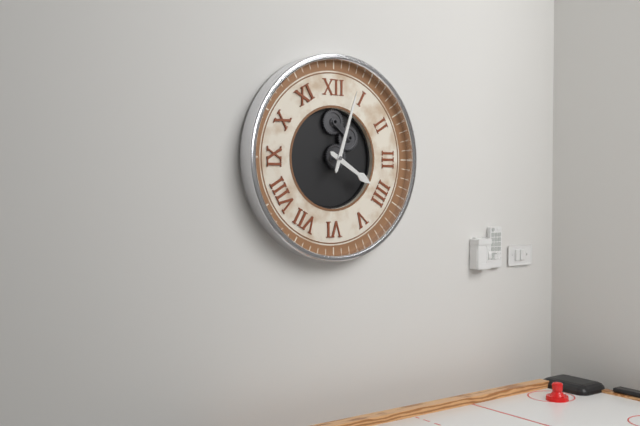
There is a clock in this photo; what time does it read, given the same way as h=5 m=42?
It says h=4 m=3
